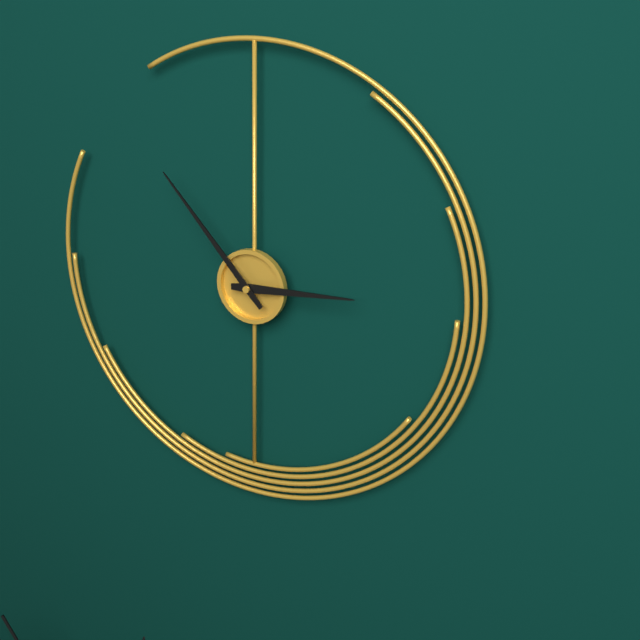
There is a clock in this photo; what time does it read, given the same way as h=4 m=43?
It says h=2 m=53
